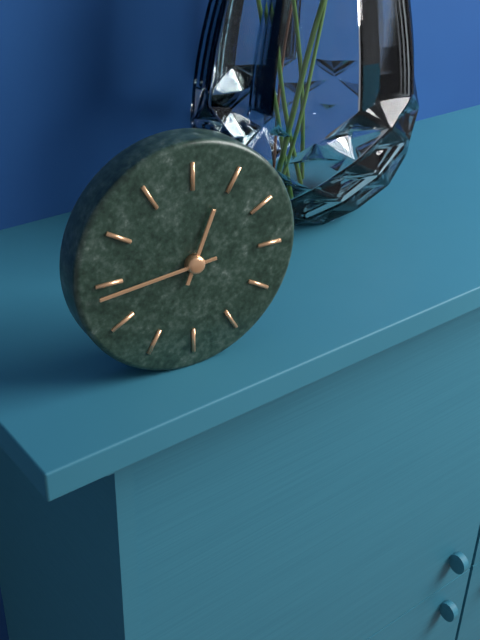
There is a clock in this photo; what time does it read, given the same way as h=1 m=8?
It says h=12 m=44
